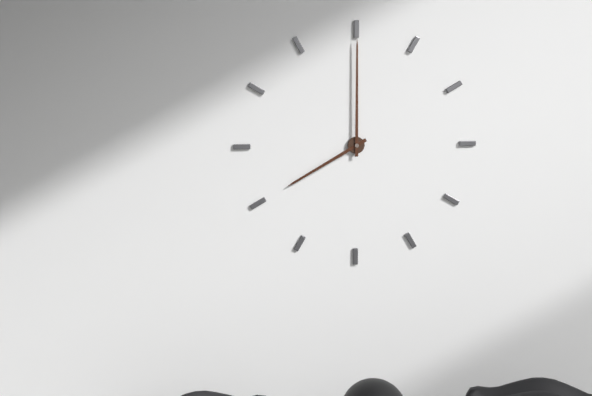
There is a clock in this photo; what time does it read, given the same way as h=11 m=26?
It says h=8 m=0
